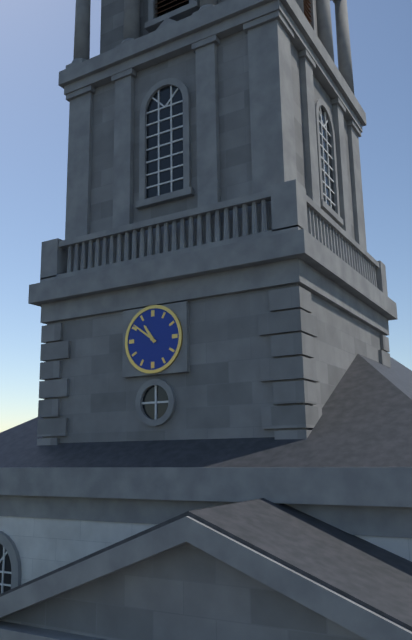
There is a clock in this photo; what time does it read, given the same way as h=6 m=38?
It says h=10 m=51
